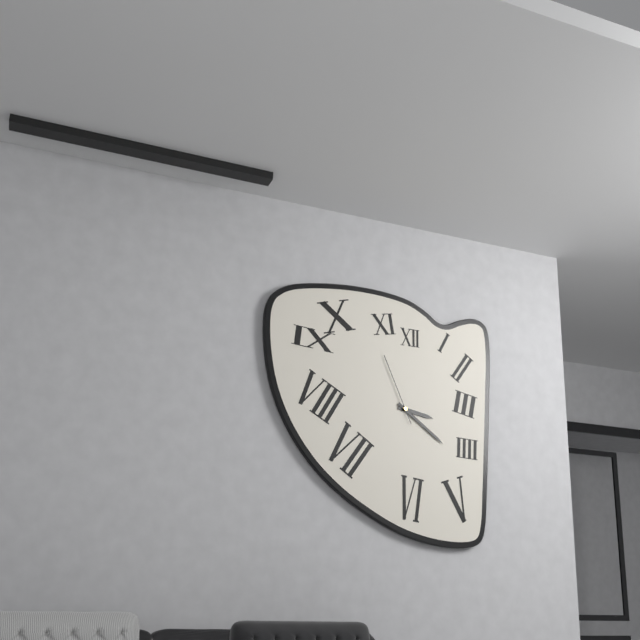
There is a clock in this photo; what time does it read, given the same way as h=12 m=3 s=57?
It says h=3 m=21 s=56
